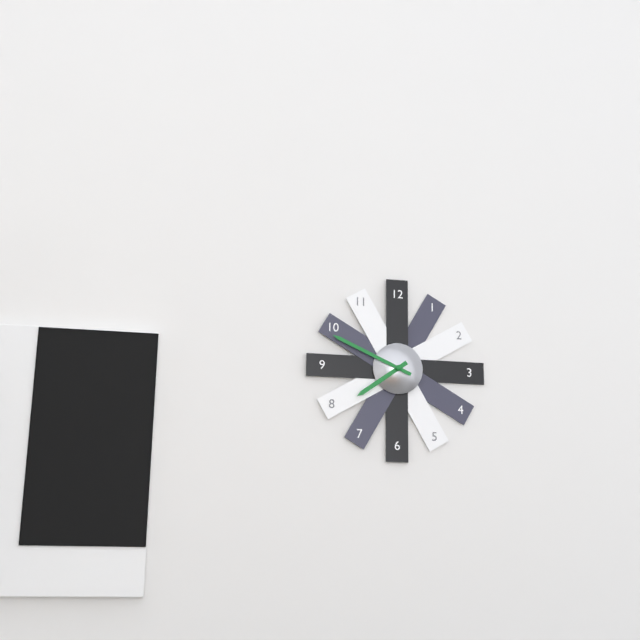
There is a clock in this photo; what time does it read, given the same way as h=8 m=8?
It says h=7 m=49
